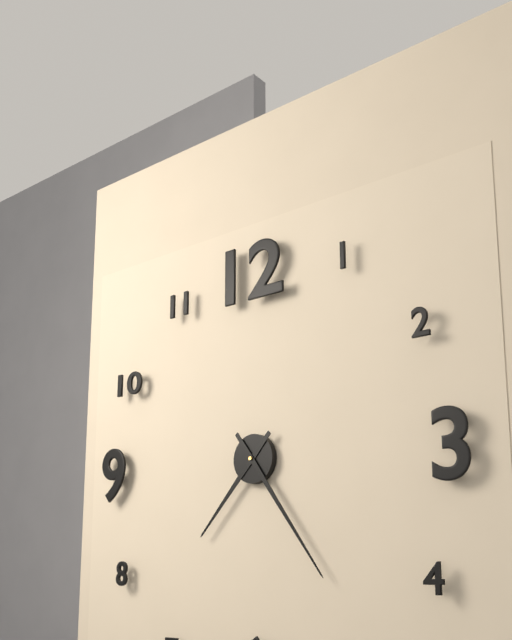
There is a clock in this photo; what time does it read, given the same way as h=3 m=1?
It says h=7 m=24
